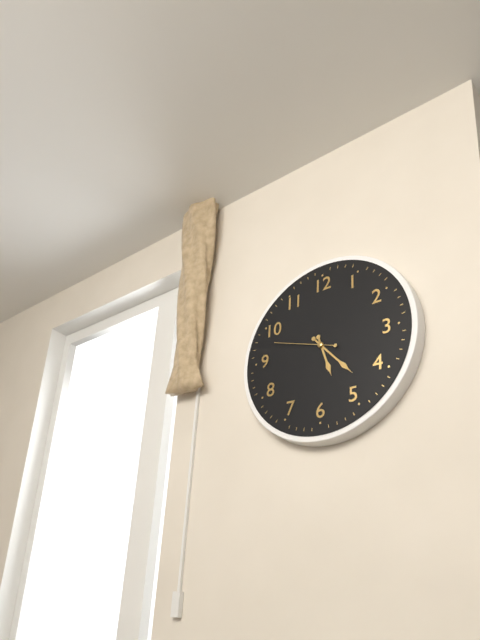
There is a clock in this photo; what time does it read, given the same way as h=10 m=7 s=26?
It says h=5 m=23 s=48
